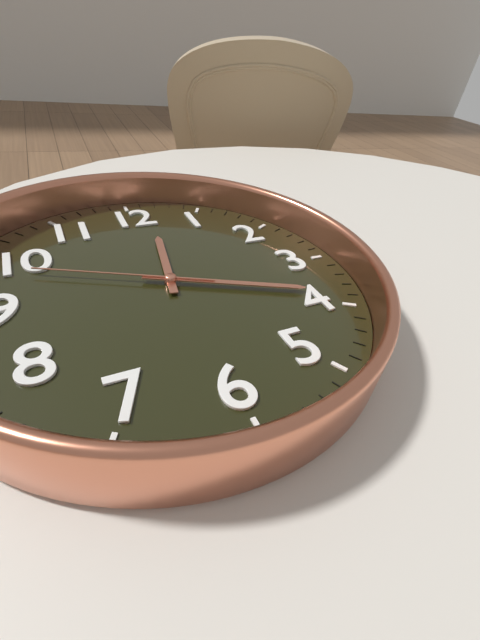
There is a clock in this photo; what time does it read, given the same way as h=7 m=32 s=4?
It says h=12 m=19 s=49
